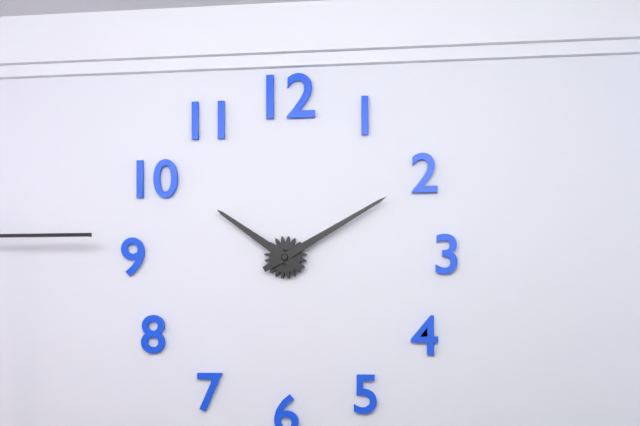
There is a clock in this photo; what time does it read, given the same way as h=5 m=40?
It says h=10 m=10
